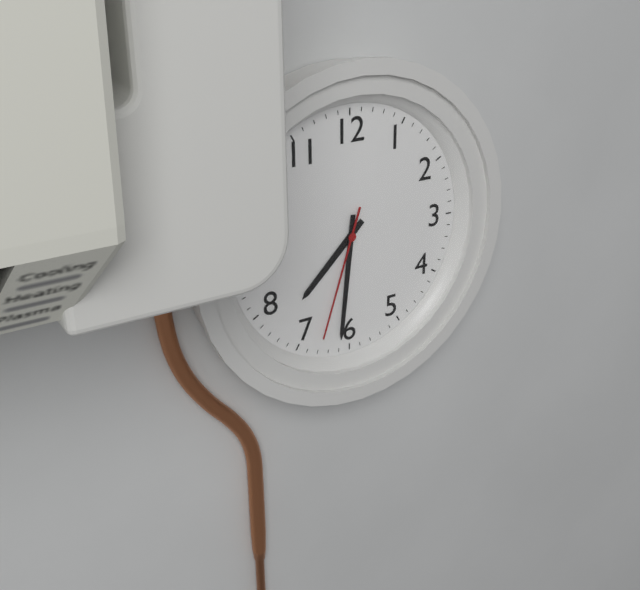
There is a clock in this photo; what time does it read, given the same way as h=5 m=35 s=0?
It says h=7 m=31 s=33
